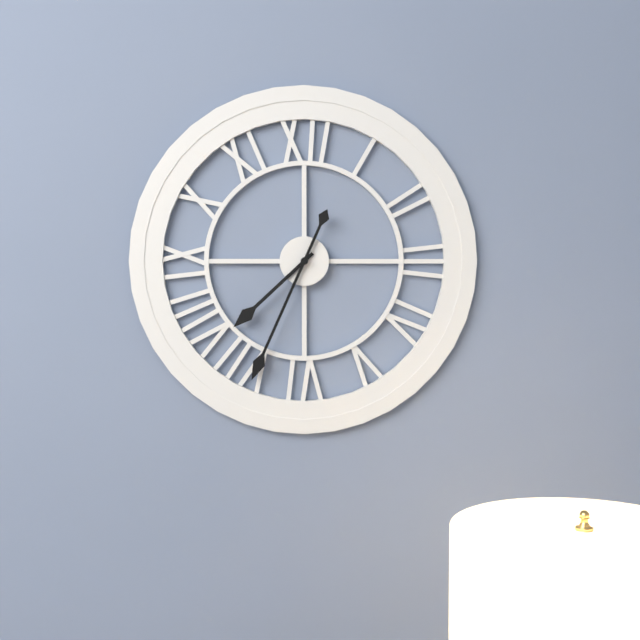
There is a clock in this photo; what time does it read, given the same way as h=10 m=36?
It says h=7 m=34
